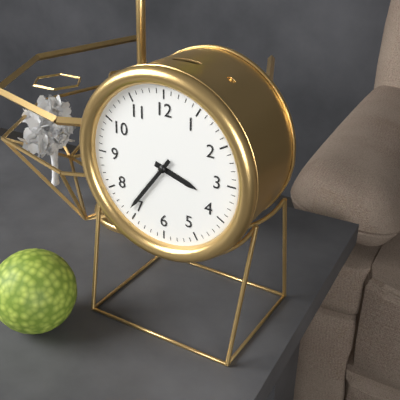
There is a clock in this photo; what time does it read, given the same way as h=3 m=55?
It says h=3 m=36
